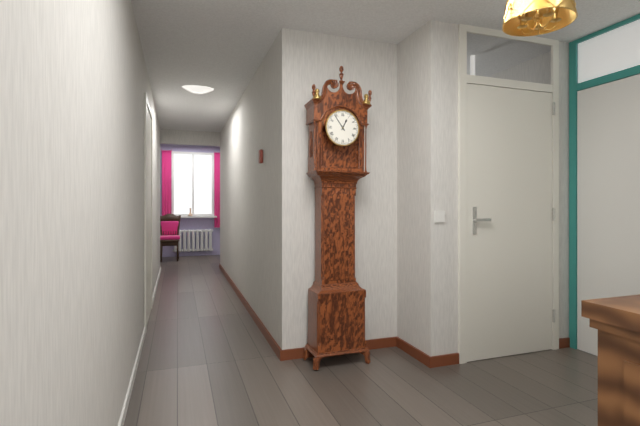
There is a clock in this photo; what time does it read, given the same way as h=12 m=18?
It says h=12 m=54
